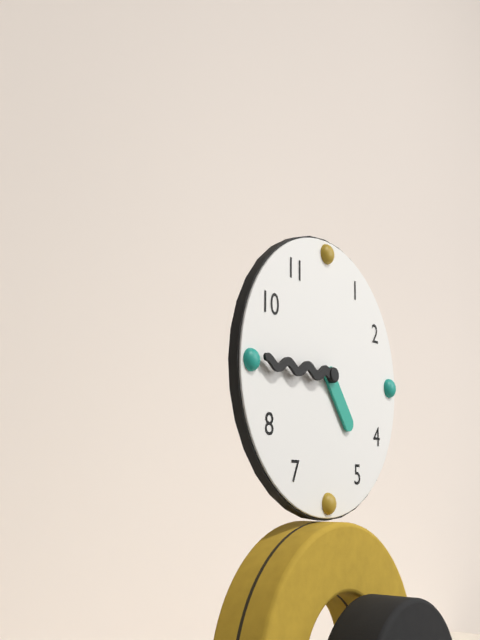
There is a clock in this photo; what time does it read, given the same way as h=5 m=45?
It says h=4 m=45
